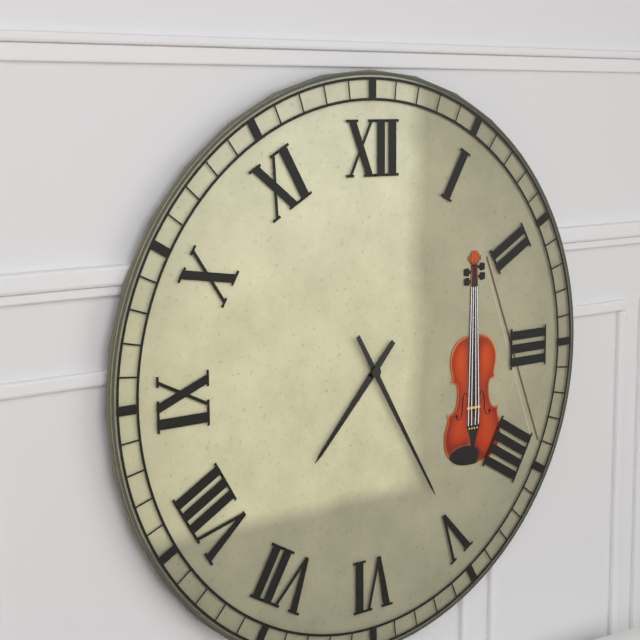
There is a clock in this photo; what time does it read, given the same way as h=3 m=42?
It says h=7 m=25
